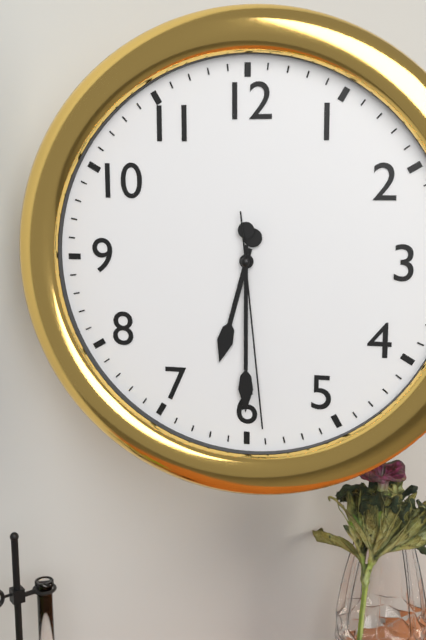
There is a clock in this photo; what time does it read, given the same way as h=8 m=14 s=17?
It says h=6 m=30 s=29
